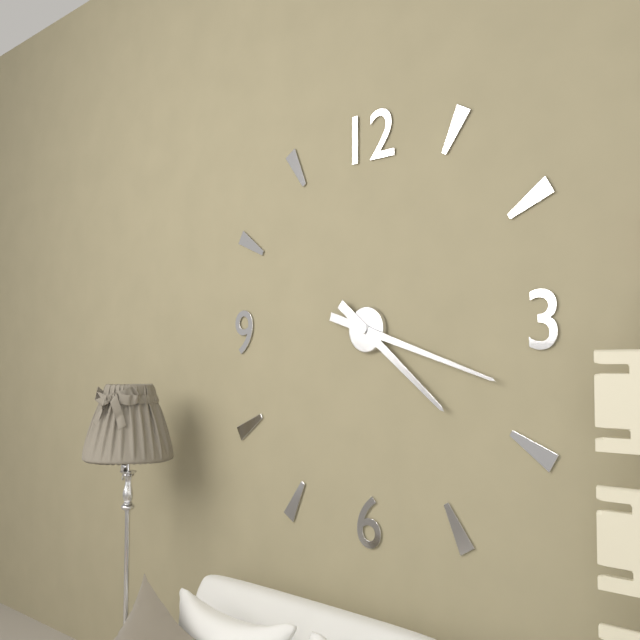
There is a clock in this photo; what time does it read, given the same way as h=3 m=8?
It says h=4 m=18
